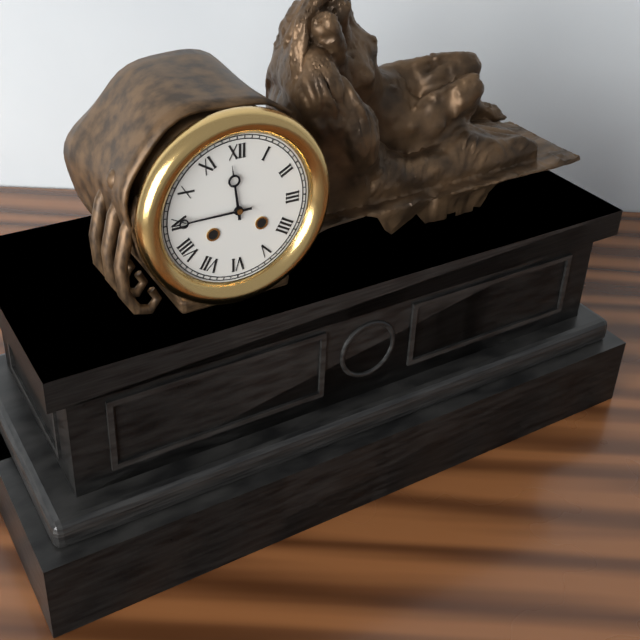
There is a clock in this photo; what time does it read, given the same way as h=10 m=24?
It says h=11 m=45
